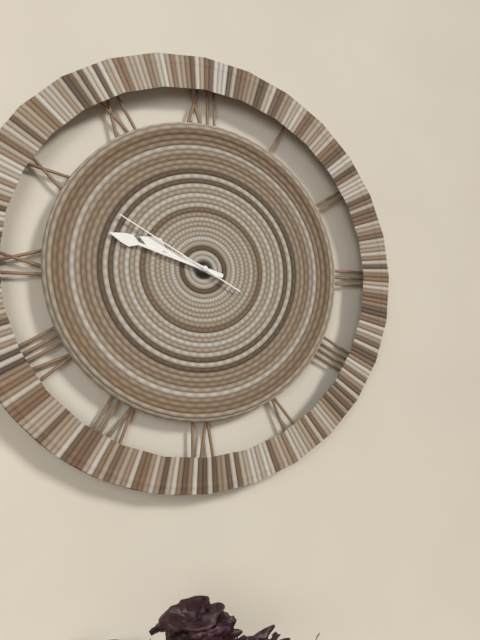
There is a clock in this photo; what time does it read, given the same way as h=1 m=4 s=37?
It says h=9 m=48 s=50
